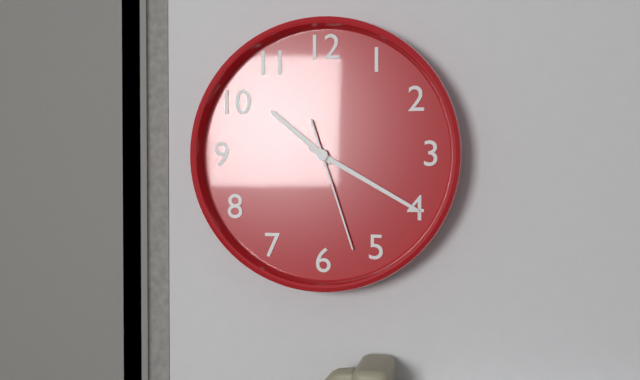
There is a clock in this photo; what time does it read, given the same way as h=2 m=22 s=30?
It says h=10 m=20 s=27
